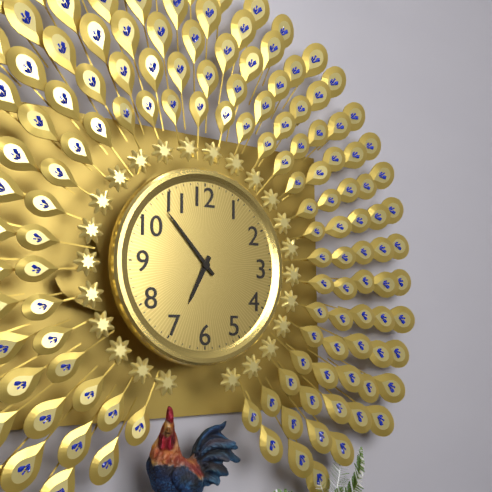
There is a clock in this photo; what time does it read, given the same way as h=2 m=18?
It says h=6 m=53
